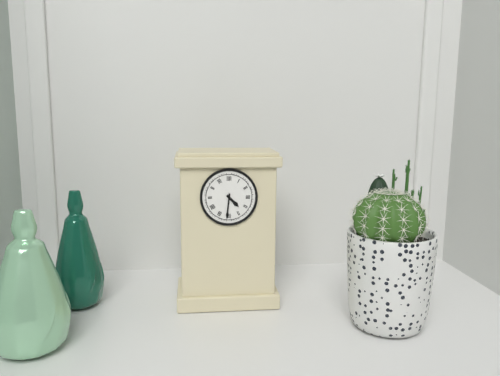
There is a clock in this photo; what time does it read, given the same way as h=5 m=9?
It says h=4 m=31
